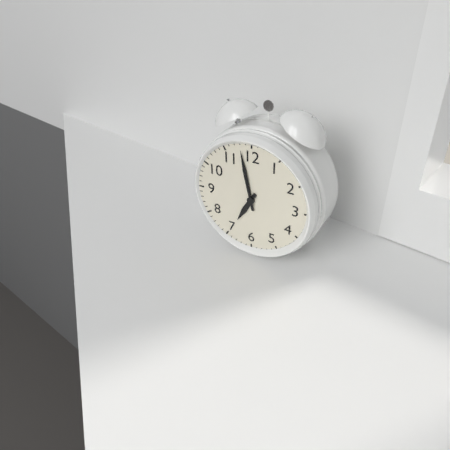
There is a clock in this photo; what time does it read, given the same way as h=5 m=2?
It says h=6 m=58
